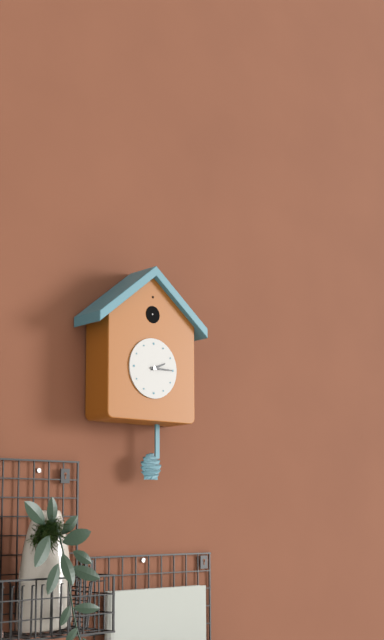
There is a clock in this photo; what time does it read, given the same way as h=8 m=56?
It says h=2 m=15
